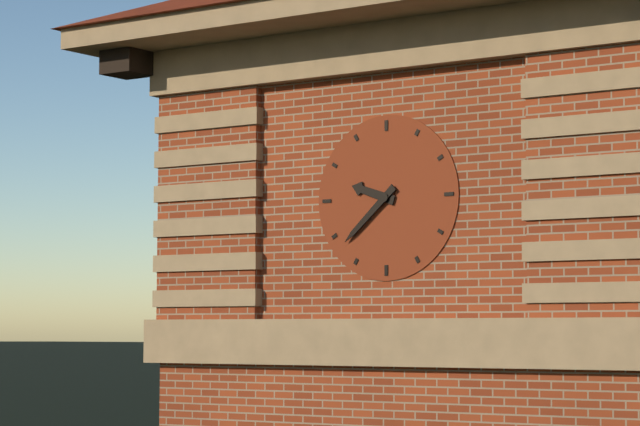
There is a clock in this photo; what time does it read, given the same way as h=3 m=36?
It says h=9 m=38
